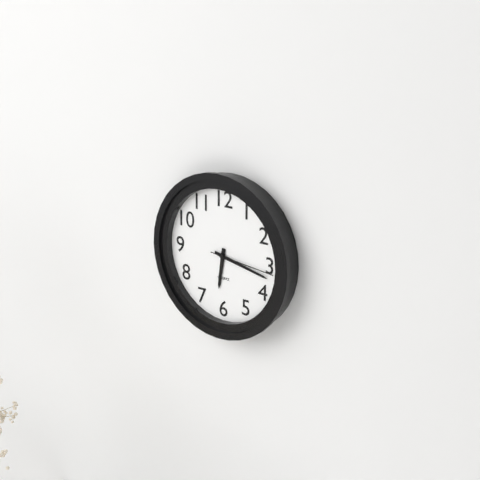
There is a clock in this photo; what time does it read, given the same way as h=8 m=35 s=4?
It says h=6 m=17 s=16
